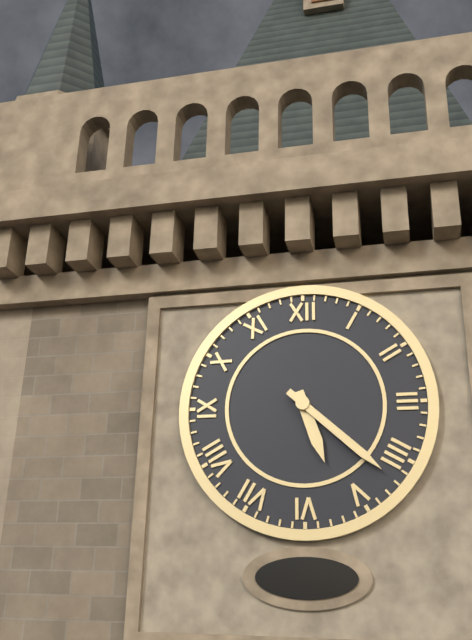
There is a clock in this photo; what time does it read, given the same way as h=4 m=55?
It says h=5 m=22
